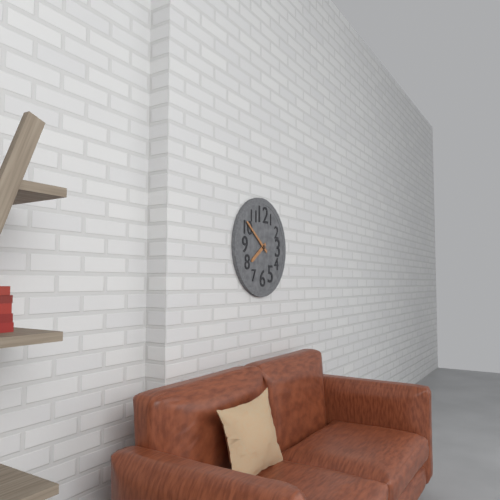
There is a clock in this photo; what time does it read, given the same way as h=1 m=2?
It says h=7 m=51
